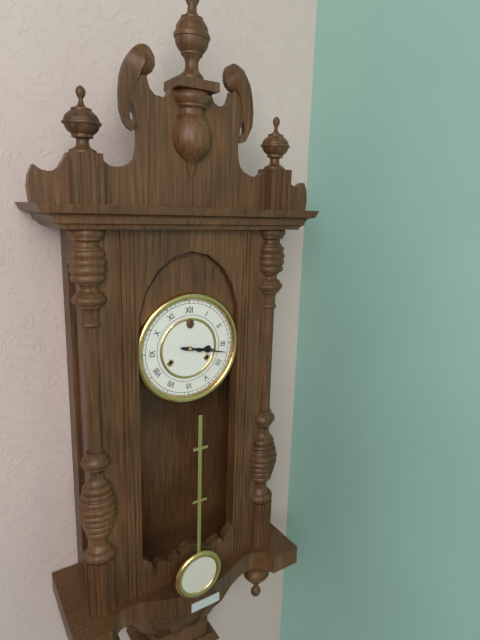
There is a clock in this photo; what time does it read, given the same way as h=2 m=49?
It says h=3 m=17
